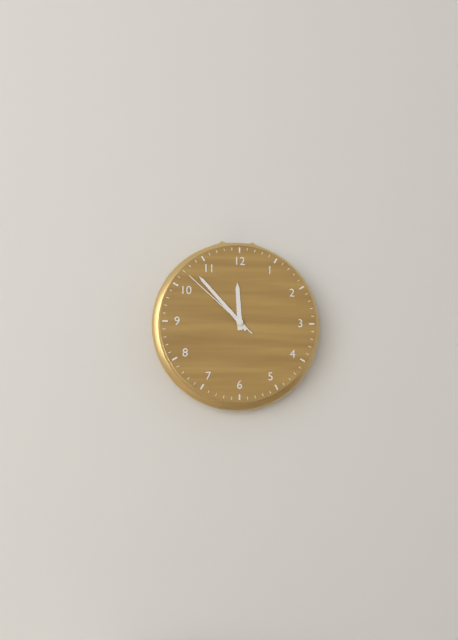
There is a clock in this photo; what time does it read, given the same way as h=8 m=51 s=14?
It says h=11 m=53 s=52
